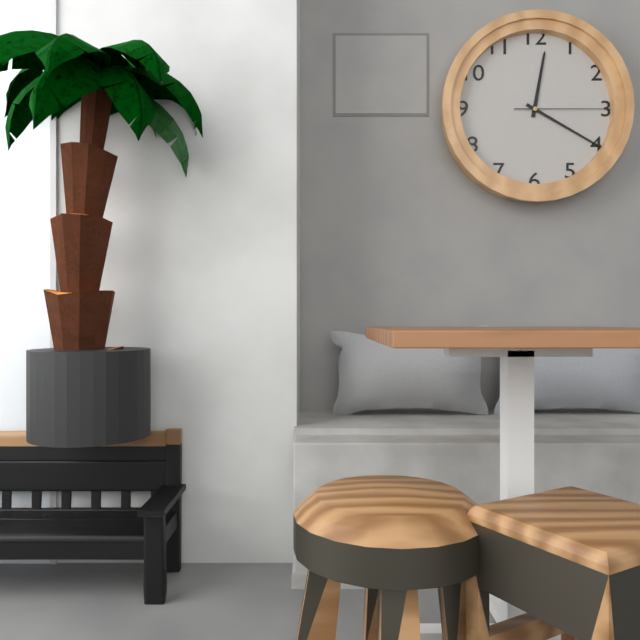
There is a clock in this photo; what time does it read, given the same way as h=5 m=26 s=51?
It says h=12 m=20 s=15
